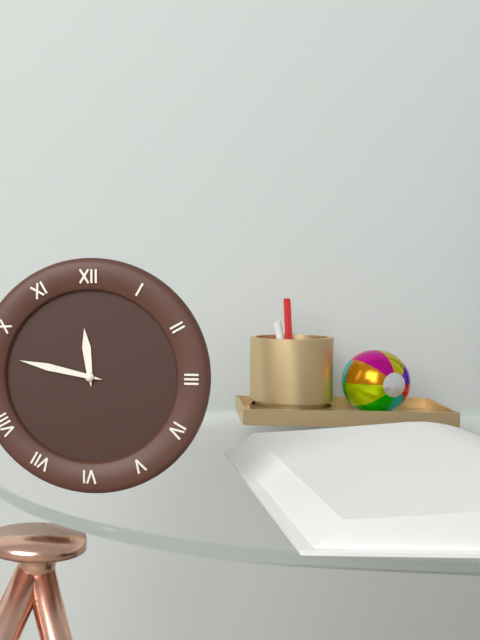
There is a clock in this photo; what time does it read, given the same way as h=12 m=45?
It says h=11 m=47
